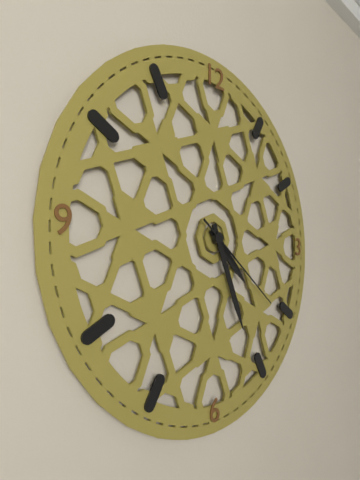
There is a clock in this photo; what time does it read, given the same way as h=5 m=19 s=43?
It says h=4 m=26 s=21
